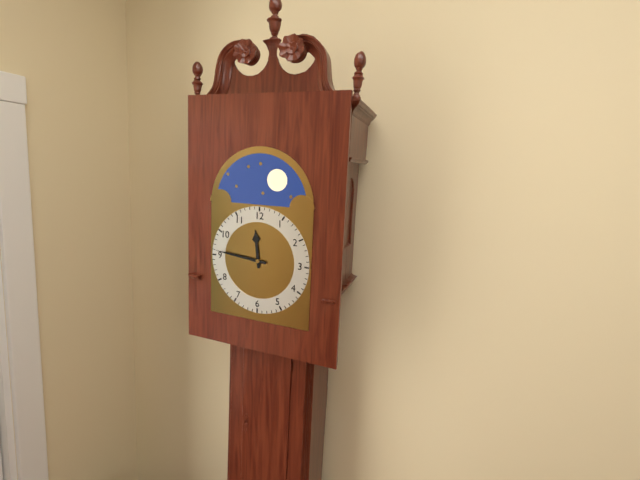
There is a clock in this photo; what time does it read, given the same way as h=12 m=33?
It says h=11 m=46
